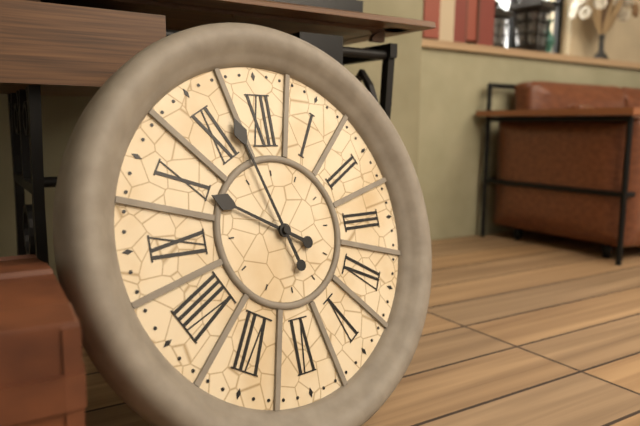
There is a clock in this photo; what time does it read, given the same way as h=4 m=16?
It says h=9 m=57
